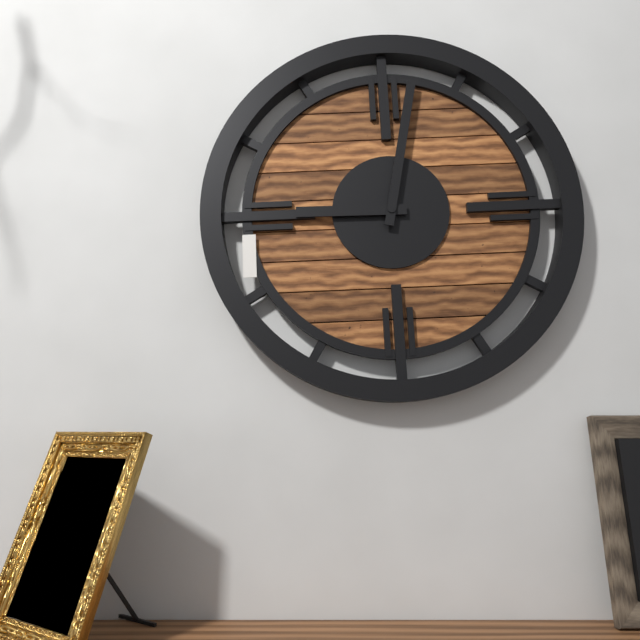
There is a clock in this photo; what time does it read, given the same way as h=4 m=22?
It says h=9 m=2
